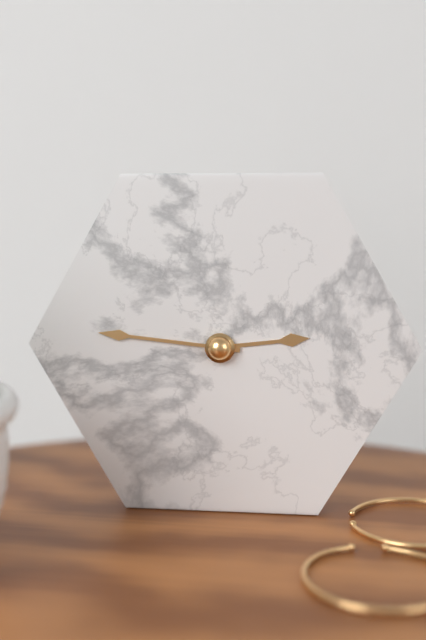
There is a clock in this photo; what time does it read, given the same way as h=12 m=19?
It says h=2 m=46
